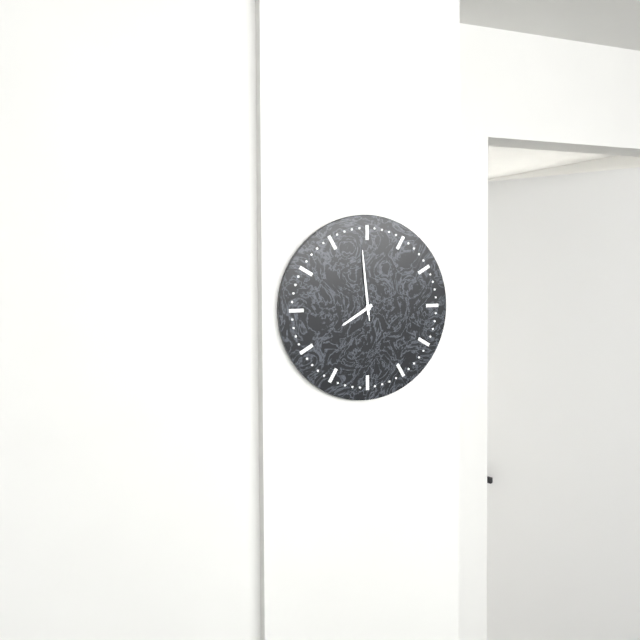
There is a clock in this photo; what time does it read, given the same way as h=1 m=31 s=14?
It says h=7 m=59 s=59
